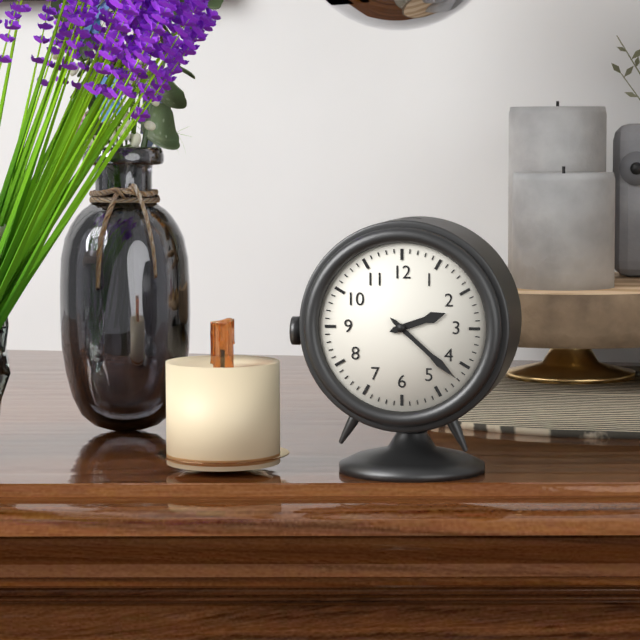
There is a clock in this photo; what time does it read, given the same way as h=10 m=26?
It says h=2 m=22
